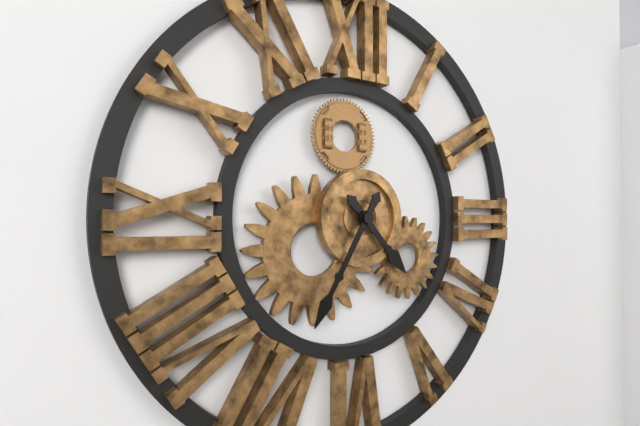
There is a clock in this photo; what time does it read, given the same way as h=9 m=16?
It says h=4 m=35
